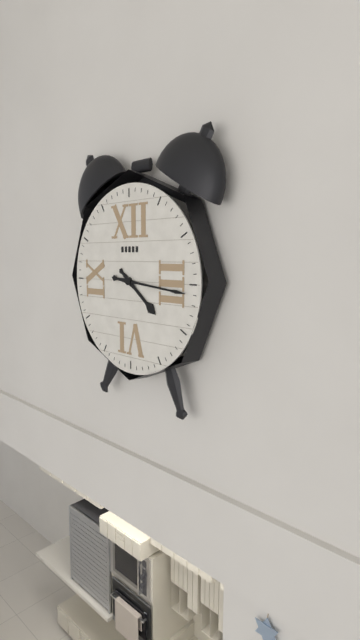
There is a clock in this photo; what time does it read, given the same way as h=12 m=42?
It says h=4 m=16
